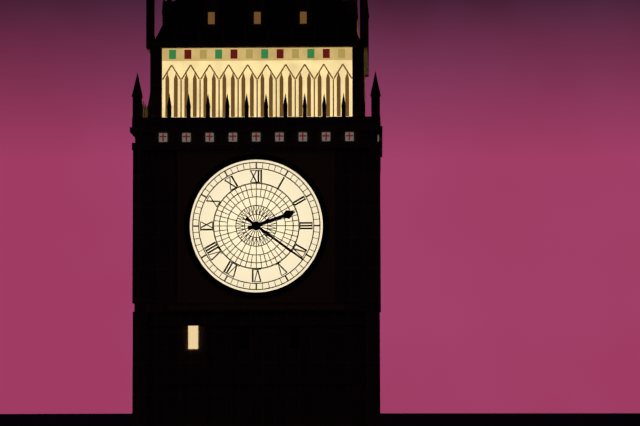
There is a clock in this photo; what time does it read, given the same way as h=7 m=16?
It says h=2 m=21
